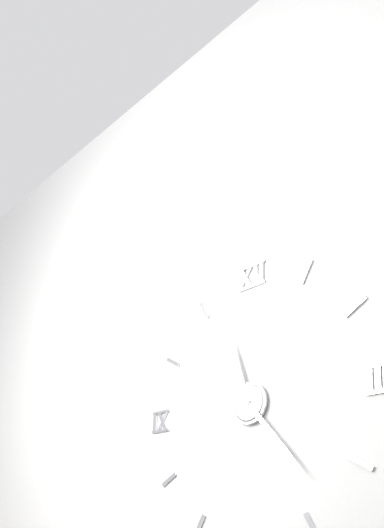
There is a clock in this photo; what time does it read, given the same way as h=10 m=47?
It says h=11 m=23
